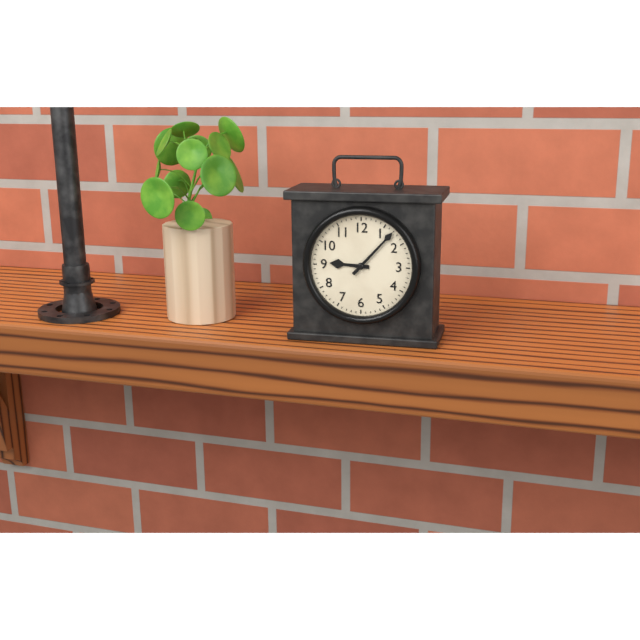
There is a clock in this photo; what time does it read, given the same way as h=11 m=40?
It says h=9 m=7
